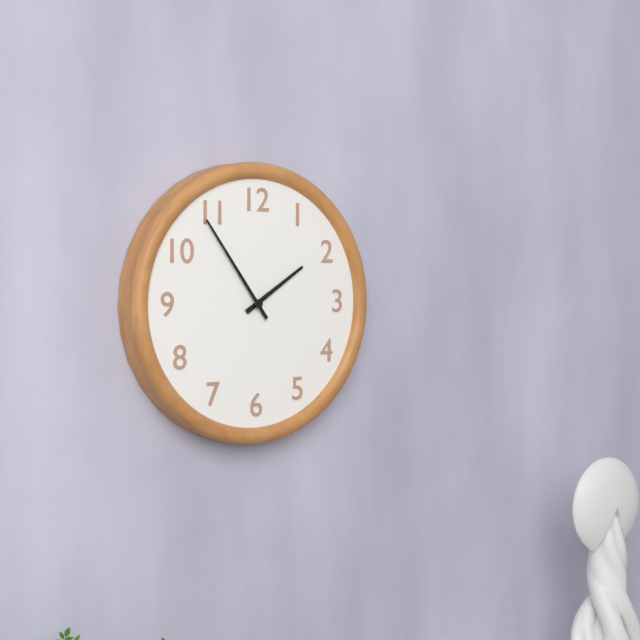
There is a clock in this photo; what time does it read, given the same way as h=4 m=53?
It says h=1 m=54
